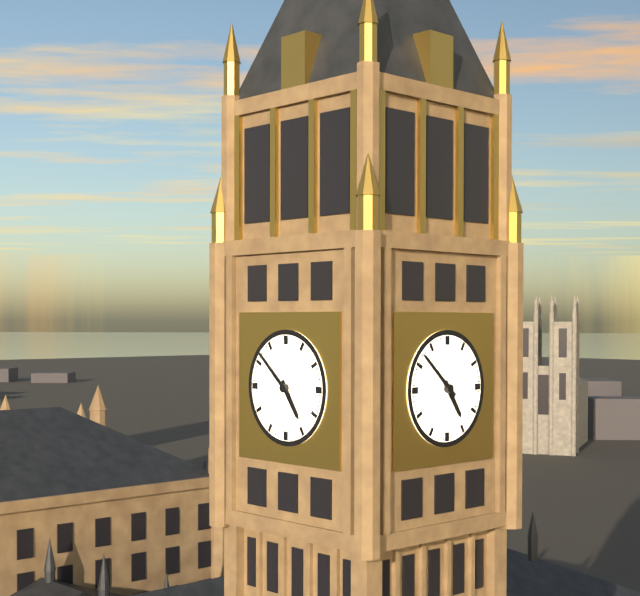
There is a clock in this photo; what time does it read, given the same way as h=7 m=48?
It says h=4 m=52
